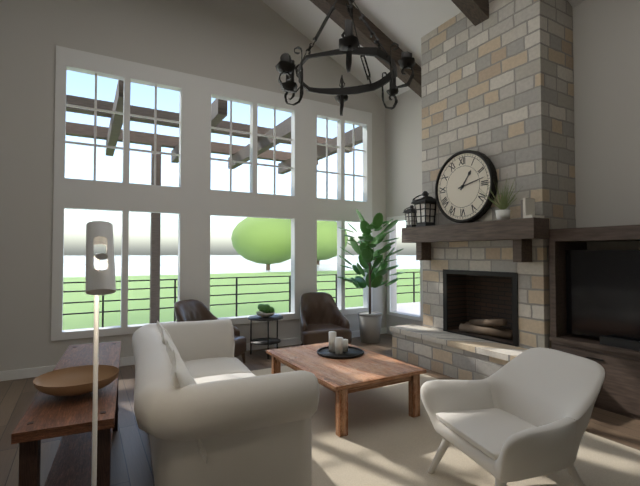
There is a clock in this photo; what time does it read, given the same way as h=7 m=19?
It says h=1 m=13
